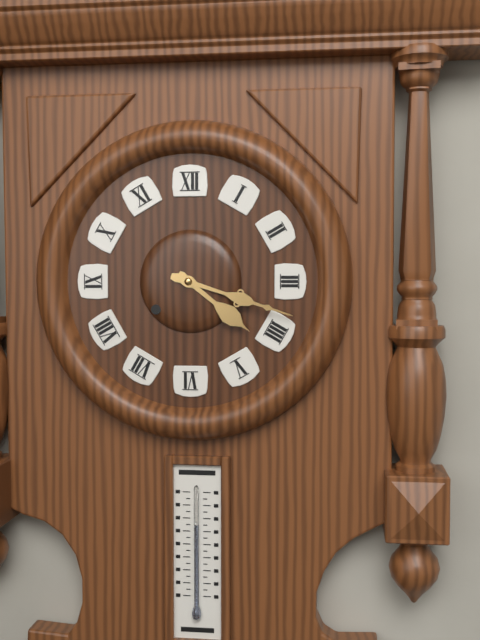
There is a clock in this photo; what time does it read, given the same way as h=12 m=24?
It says h=4 m=18
